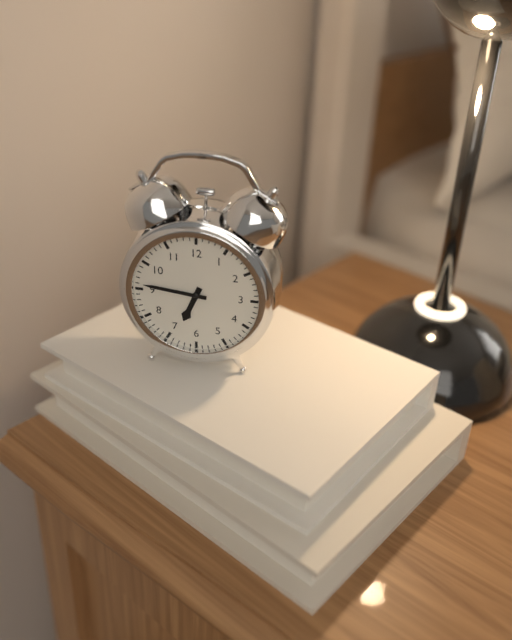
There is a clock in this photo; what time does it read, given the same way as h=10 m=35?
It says h=6 m=46
